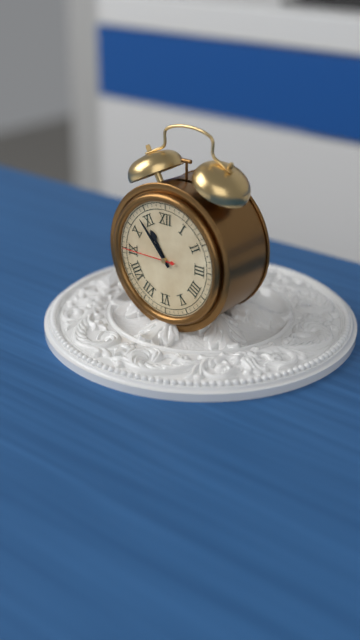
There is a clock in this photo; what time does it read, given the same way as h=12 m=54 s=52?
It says h=10 m=53 s=45
